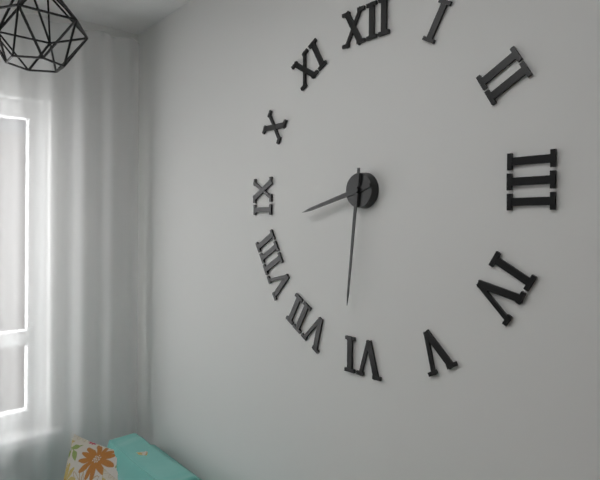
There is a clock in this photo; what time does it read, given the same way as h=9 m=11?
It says h=8 m=31
